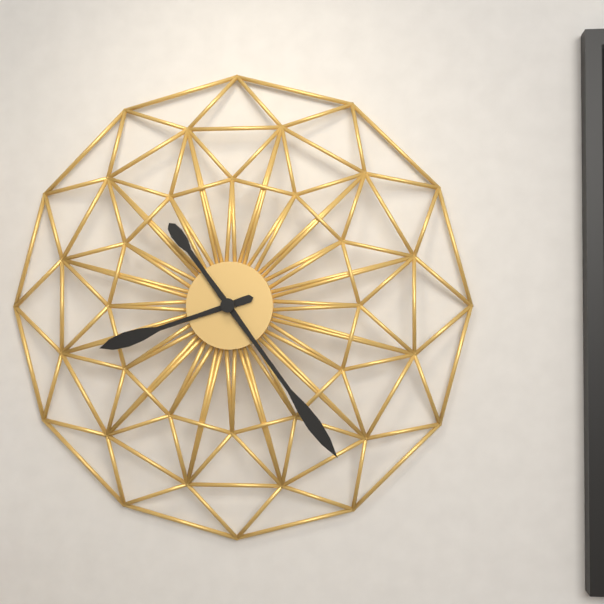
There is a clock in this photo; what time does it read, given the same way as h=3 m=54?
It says h=8 m=24
